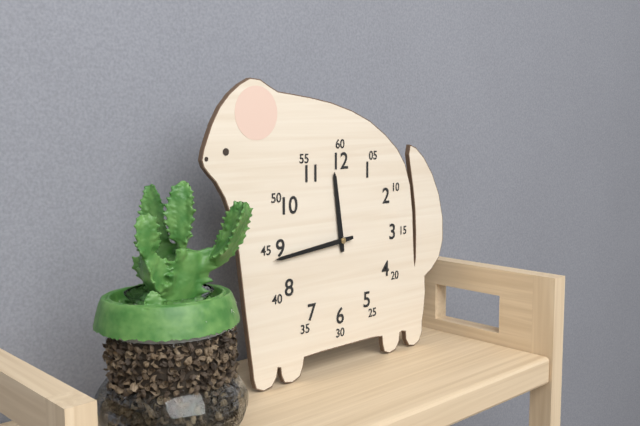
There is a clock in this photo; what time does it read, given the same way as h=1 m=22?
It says h=11 m=44
